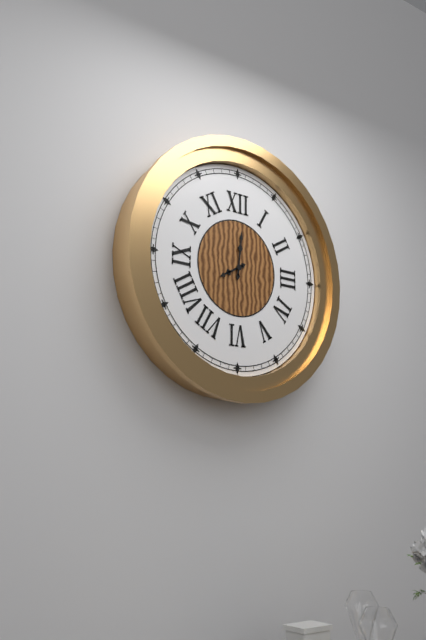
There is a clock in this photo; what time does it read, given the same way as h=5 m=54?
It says h=8 m=1
